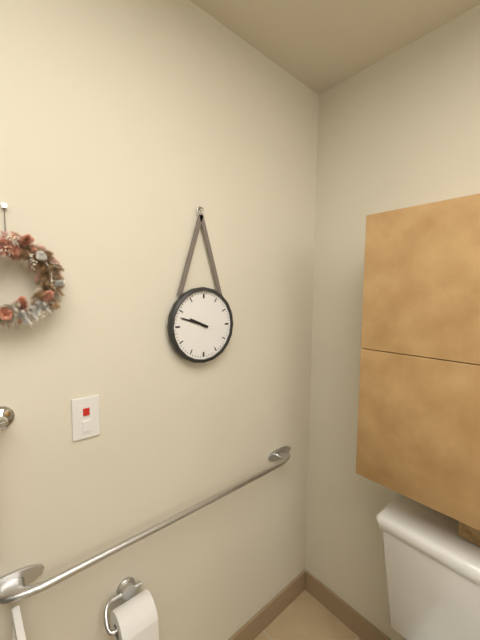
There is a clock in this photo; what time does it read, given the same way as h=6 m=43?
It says h=9 m=48
